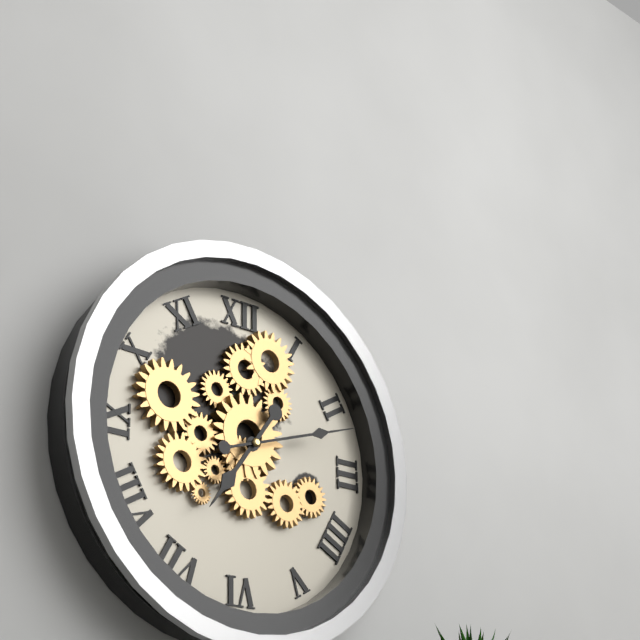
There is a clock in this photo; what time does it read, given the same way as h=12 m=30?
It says h=7 m=12
